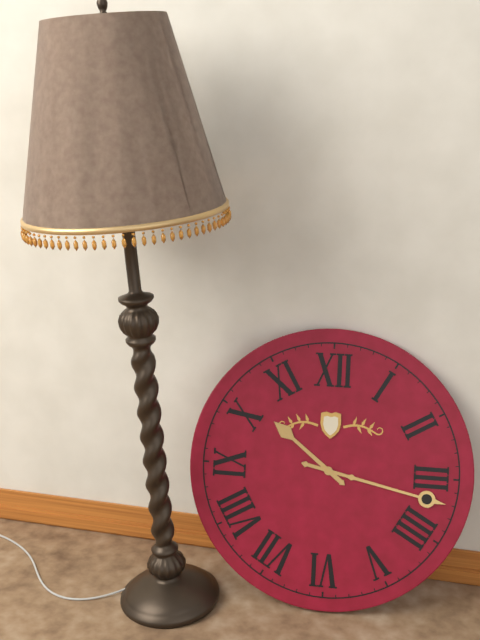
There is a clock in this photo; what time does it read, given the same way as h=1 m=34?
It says h=10 m=17
